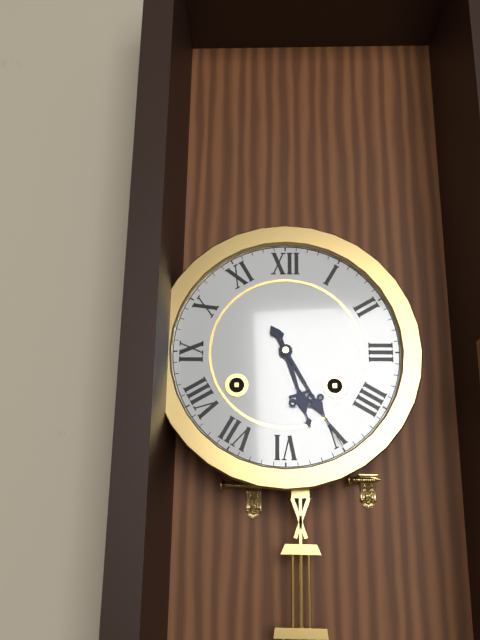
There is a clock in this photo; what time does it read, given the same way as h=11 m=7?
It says h=5 m=25
